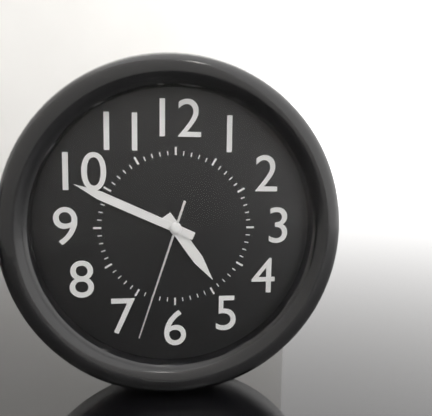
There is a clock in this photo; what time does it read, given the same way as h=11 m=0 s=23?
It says h=4 m=49 s=33
